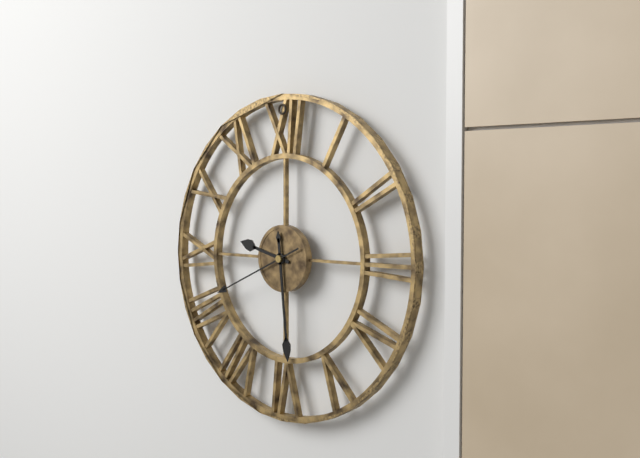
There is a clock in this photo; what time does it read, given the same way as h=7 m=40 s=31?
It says h=9 m=29 s=41
